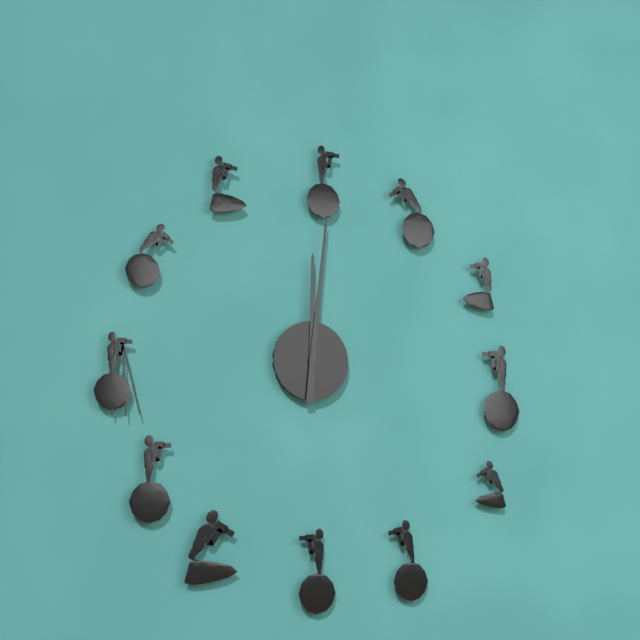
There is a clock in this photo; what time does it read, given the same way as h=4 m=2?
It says h=12 m=1
